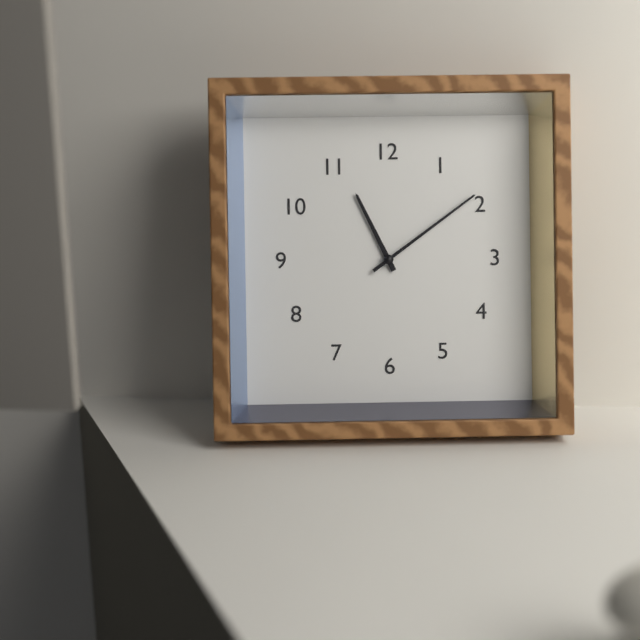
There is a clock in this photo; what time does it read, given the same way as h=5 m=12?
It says h=11 m=9
